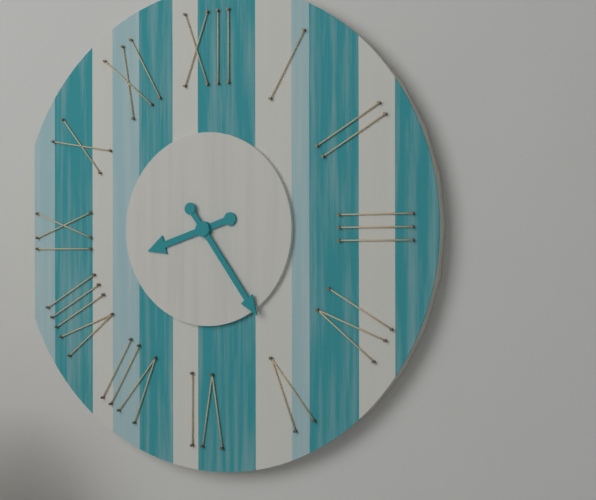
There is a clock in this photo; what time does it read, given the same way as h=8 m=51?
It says h=8 m=24
